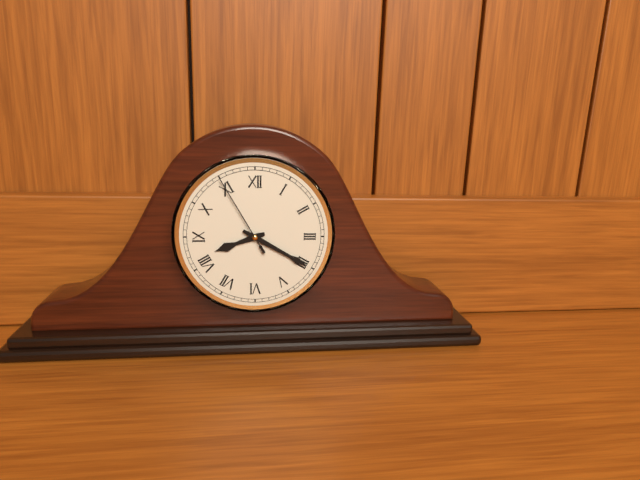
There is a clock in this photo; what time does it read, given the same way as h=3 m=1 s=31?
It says h=8 m=20 s=55
